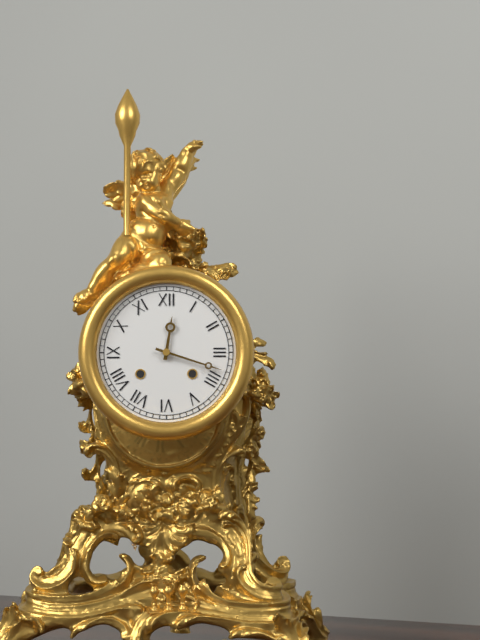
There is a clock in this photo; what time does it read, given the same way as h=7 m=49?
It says h=12 m=18
